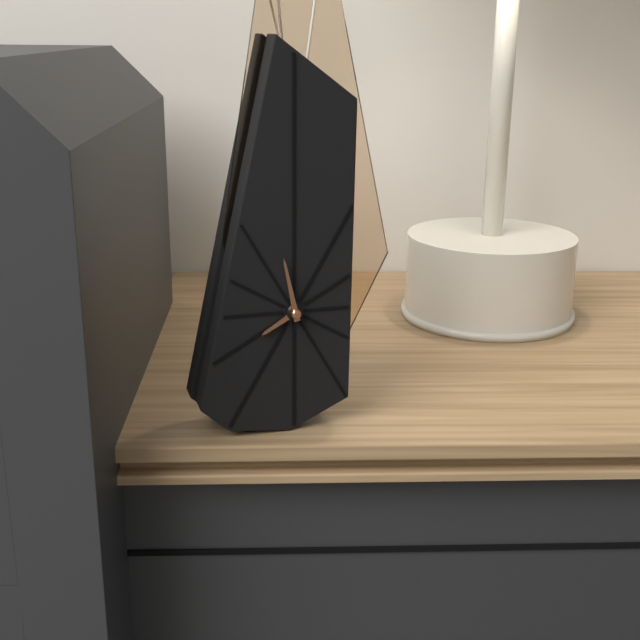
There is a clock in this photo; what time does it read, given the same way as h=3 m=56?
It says h=7 m=58
